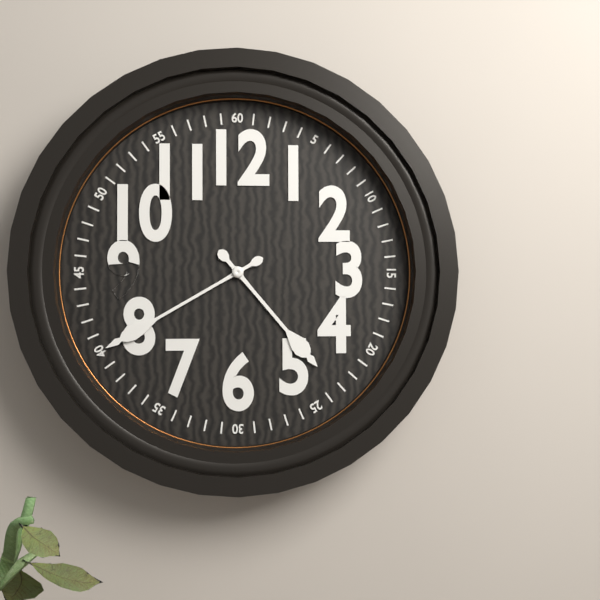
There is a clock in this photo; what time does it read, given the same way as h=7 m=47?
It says h=4 m=40
